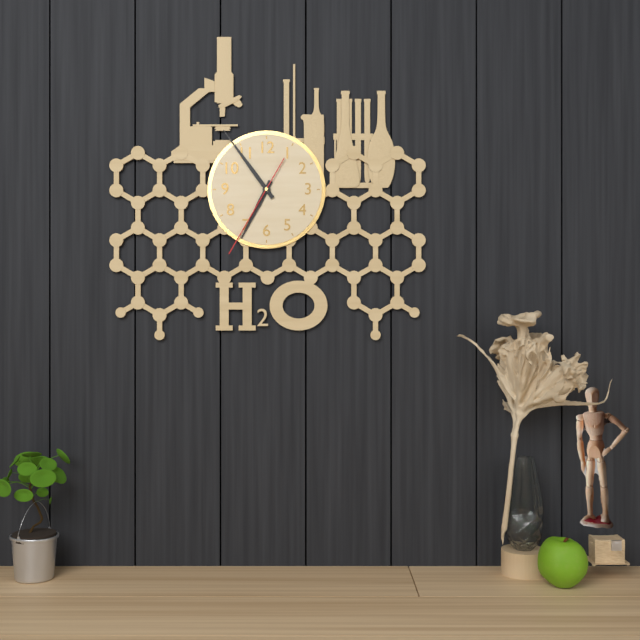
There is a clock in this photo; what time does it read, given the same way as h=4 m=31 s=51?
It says h=6 m=54 s=35
